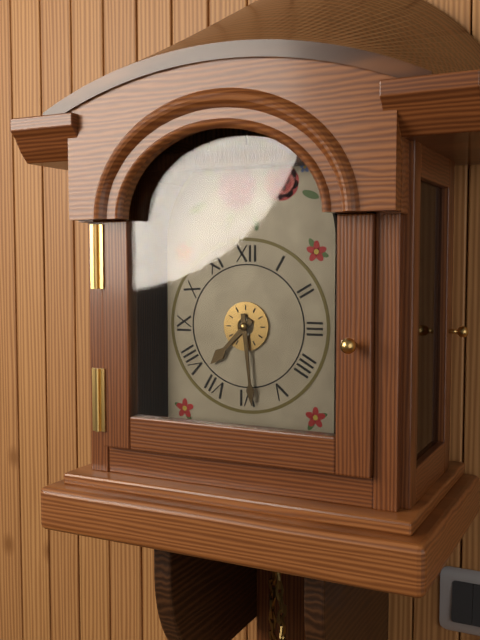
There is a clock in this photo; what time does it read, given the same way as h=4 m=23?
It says h=7 m=29
